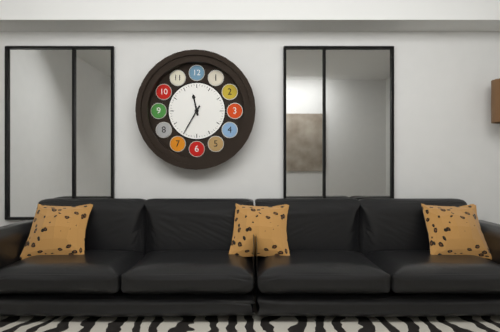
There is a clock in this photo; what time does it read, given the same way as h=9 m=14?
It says h=11 m=35
